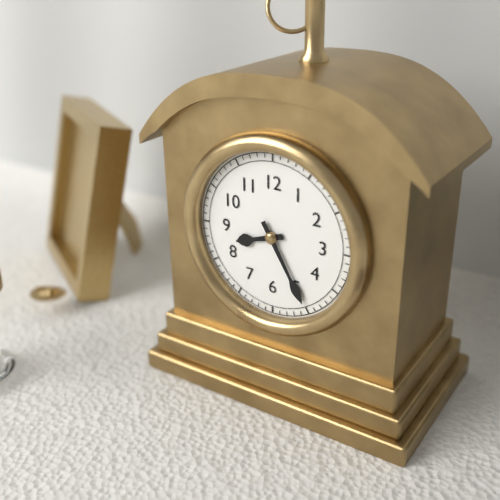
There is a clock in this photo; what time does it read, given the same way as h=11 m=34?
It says h=8 m=25
